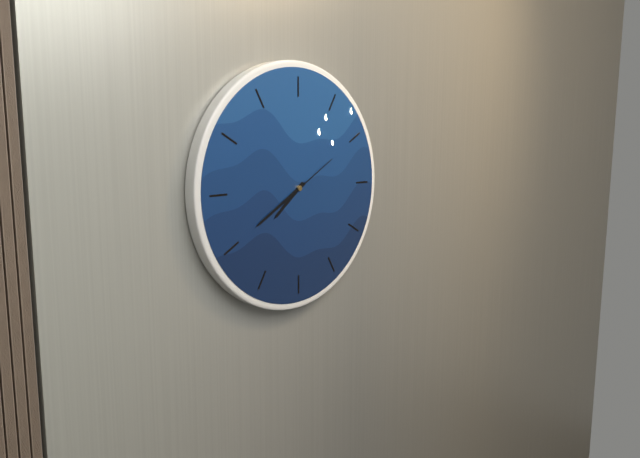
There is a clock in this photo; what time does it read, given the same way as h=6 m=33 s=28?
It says h=7 m=40 s=10
